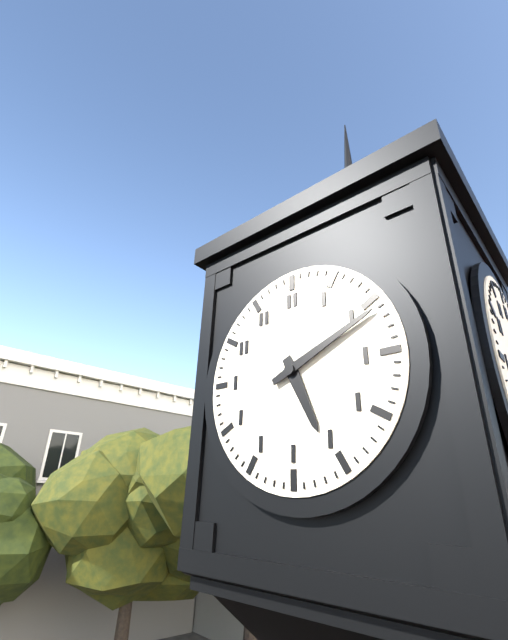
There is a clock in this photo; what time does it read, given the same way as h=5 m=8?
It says h=5 m=11
